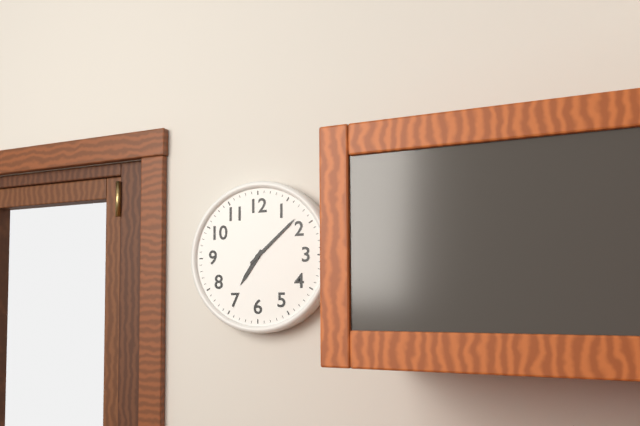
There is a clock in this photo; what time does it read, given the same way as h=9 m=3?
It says h=7 m=8
